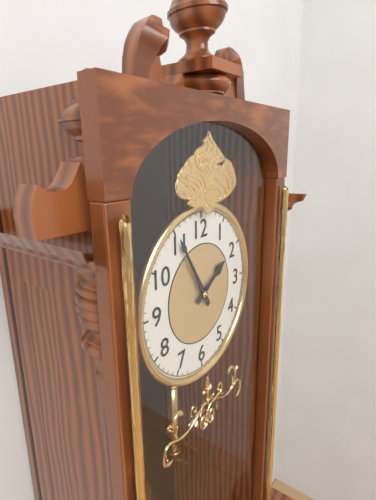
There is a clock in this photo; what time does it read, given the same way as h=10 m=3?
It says h=1 m=55
